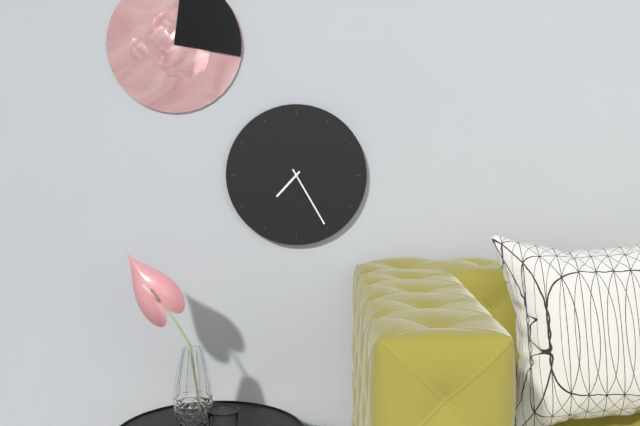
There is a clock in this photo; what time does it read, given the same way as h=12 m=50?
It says h=7 m=25
